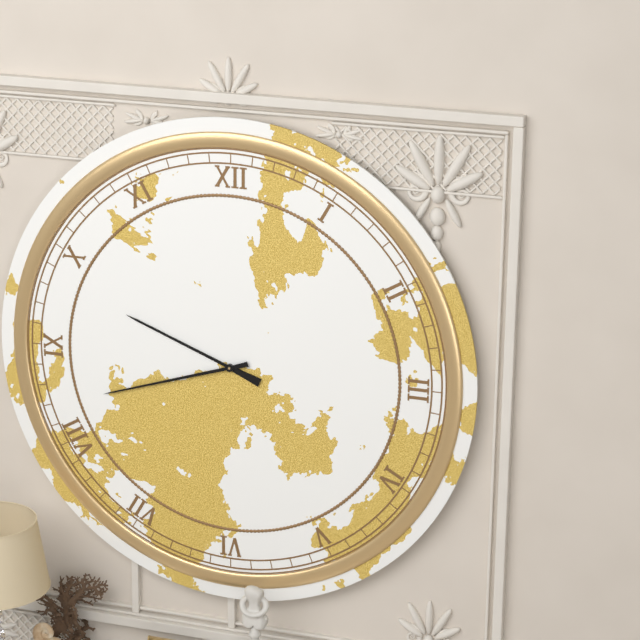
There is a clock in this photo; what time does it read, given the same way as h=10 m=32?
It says h=9 m=42
